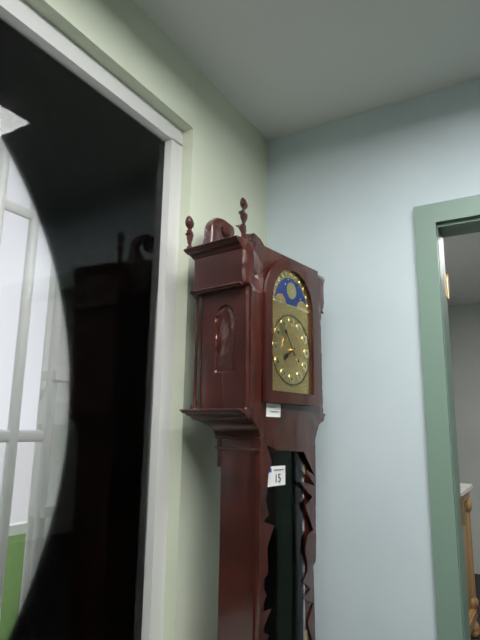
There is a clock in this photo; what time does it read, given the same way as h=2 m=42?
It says h=7 m=54
